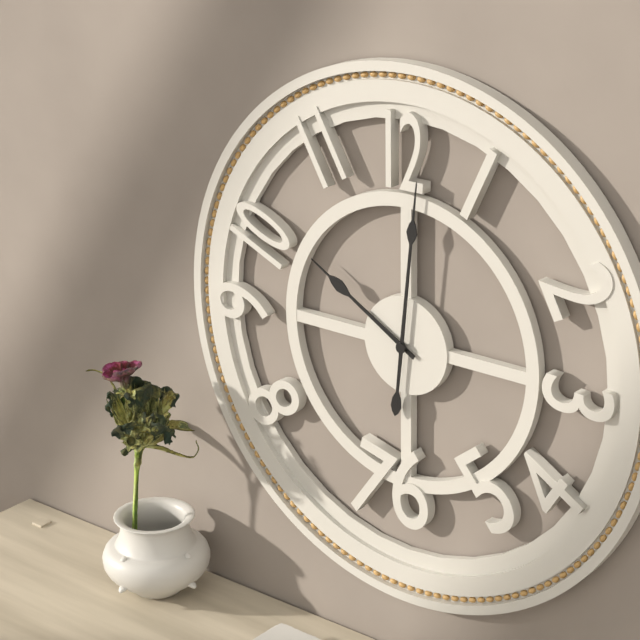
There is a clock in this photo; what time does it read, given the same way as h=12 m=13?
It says h=10 m=1
